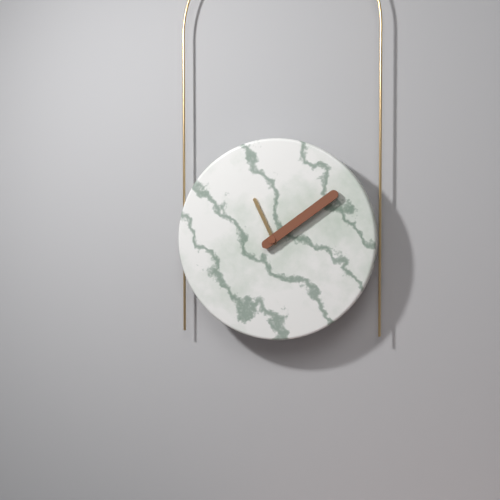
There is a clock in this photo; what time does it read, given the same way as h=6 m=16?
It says h=11 m=9
